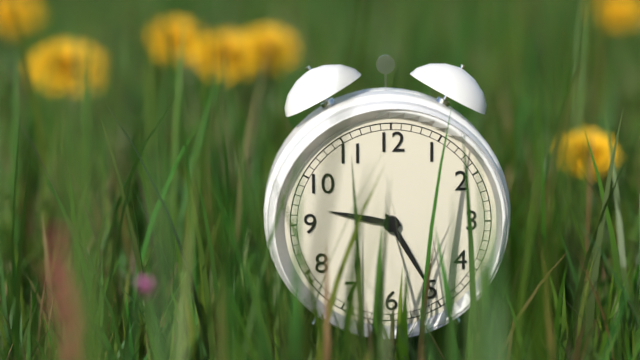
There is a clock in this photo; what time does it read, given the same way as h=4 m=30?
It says h=9 m=25
